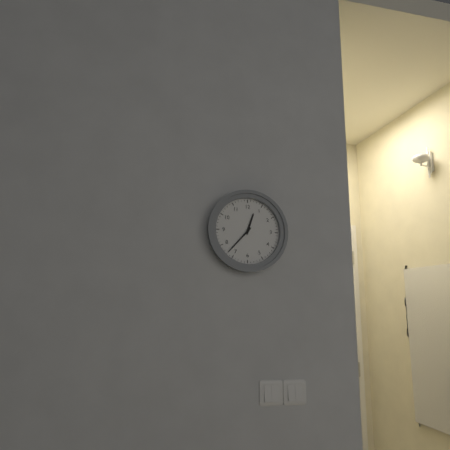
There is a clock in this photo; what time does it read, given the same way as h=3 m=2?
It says h=12 m=37
